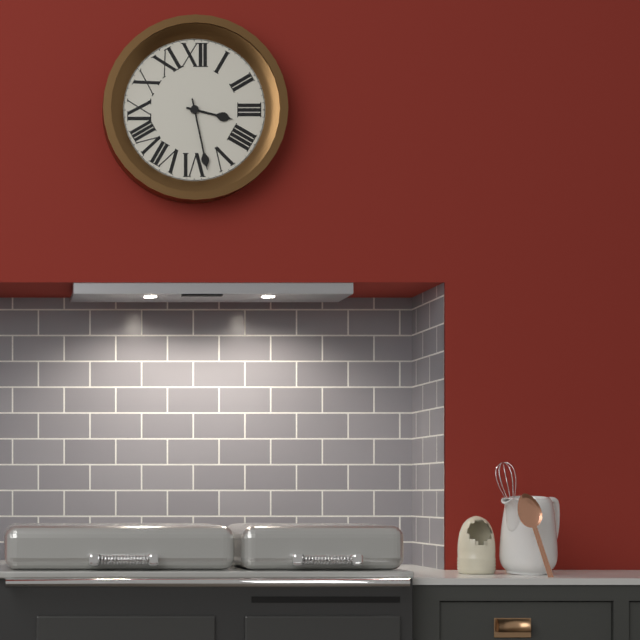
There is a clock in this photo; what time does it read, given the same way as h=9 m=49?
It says h=3 m=28
